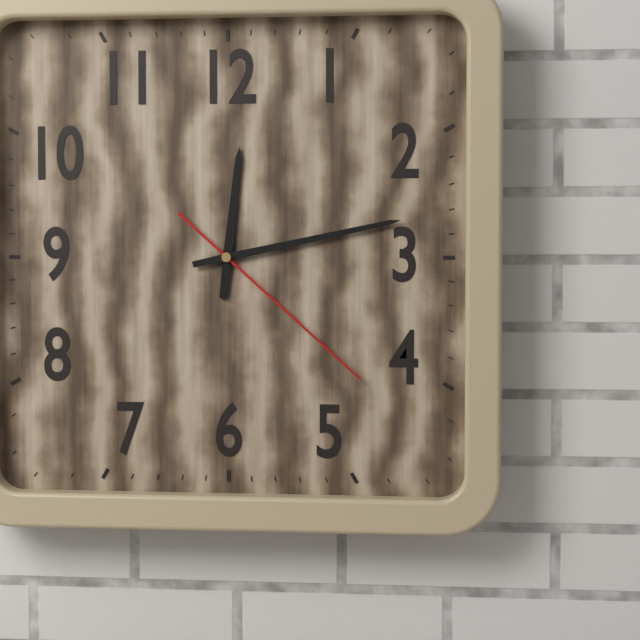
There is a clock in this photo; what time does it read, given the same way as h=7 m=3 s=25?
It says h=12 m=13 s=22
